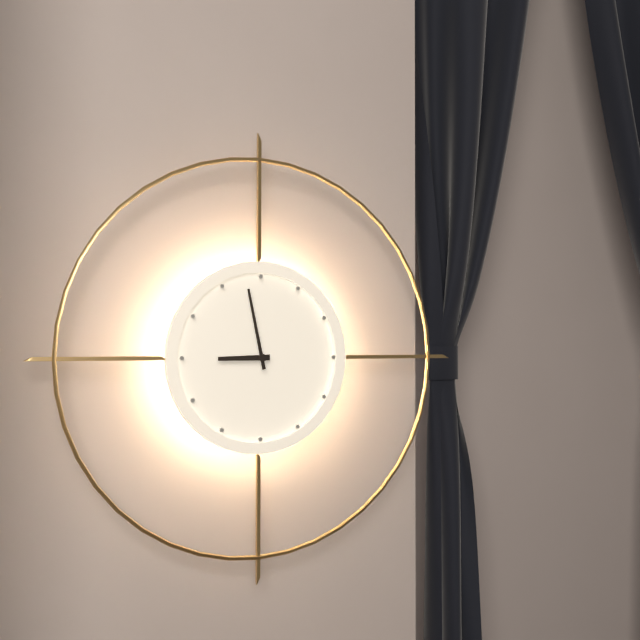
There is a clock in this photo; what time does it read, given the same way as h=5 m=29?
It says h=8 m=58
